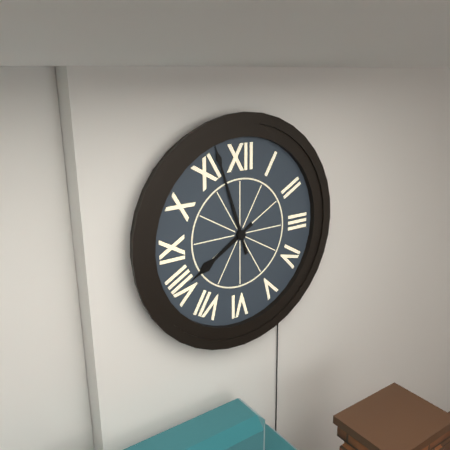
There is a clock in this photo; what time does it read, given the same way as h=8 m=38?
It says h=7 m=57
